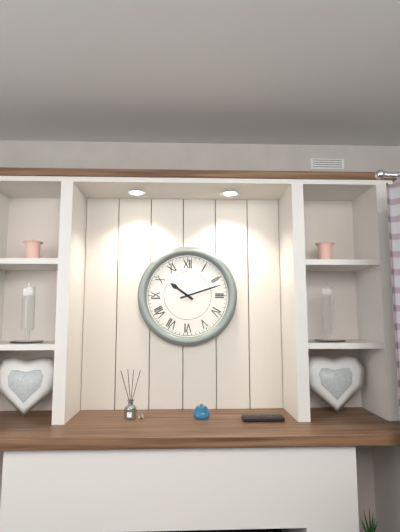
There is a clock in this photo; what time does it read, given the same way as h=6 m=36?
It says h=10 m=12
